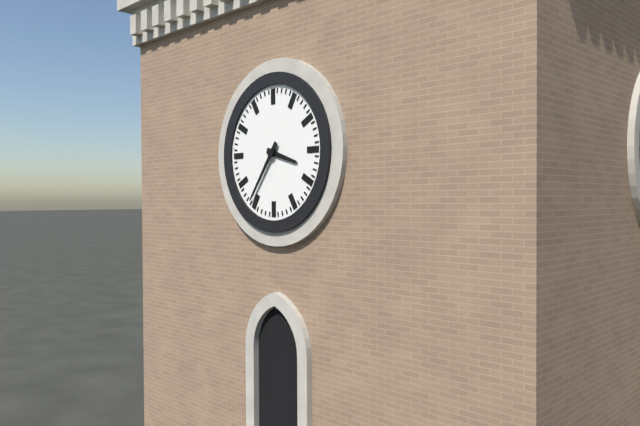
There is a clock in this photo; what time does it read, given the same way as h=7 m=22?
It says h=3 m=36
